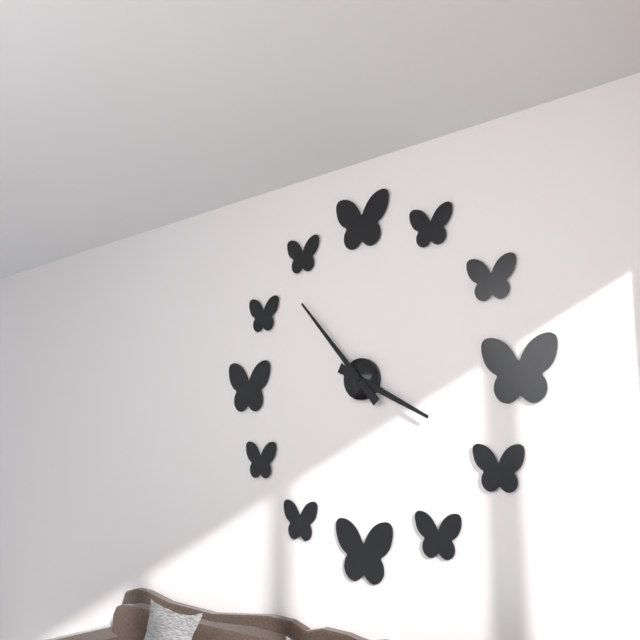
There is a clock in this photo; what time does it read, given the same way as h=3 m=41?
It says h=3 m=53
